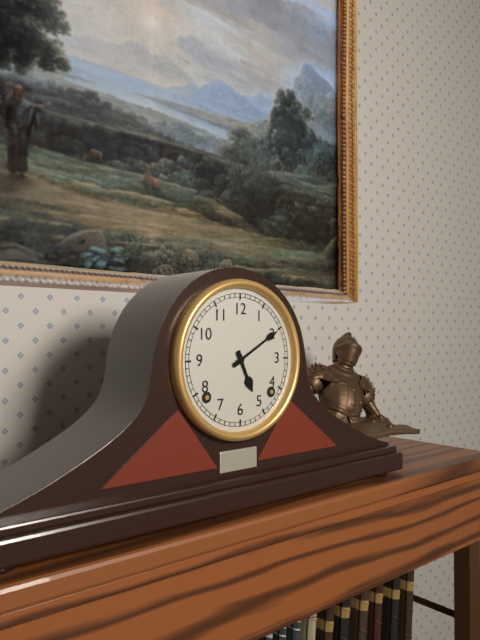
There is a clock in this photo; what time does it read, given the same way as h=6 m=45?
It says h=5 m=10
